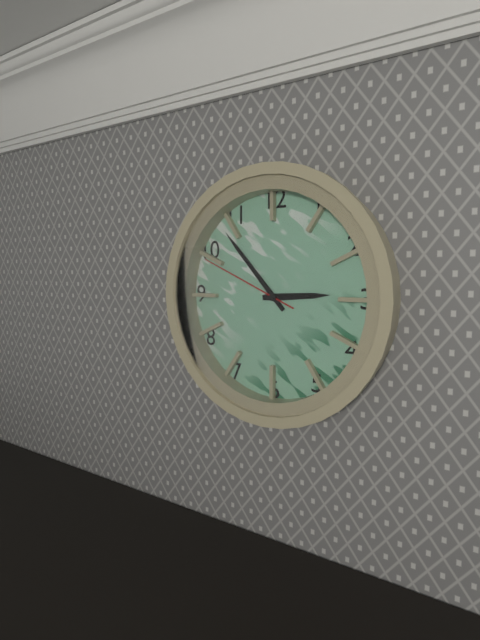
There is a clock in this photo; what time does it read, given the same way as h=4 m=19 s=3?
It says h=2 m=53 s=49
